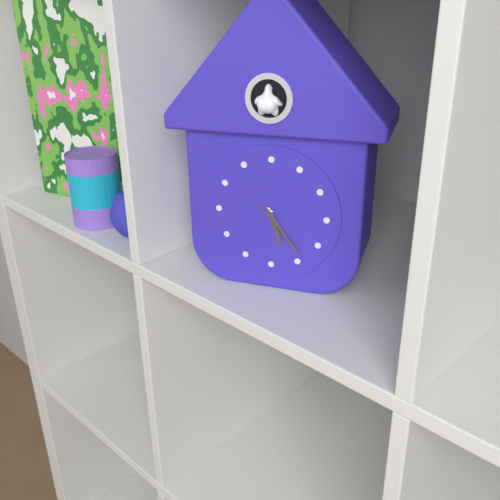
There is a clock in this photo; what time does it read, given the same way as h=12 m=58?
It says h=5 m=24
